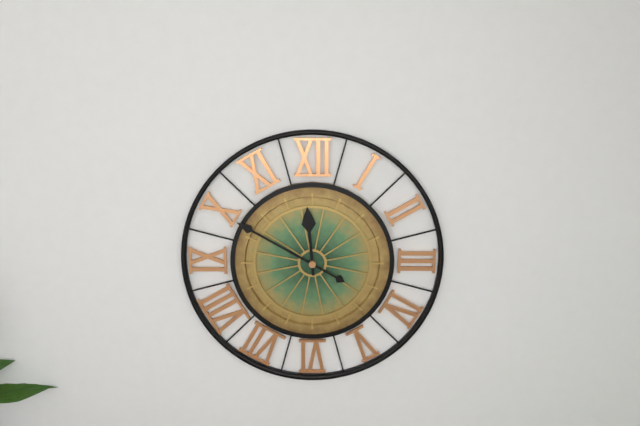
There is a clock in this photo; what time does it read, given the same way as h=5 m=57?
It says h=11 m=50
